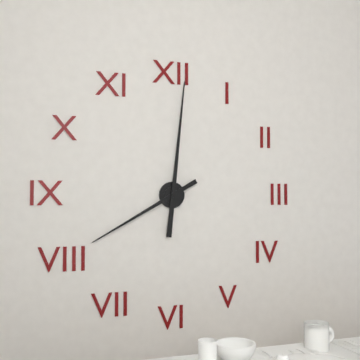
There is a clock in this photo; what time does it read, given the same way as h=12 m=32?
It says h=8 m=1
